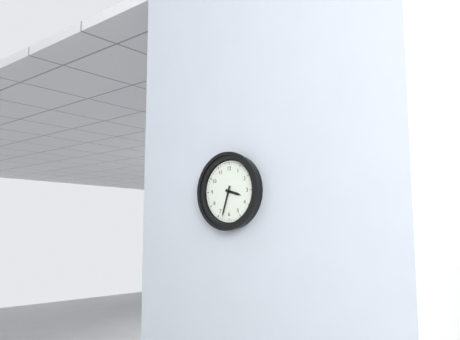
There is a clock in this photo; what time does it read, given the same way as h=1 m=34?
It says h=3 m=33
